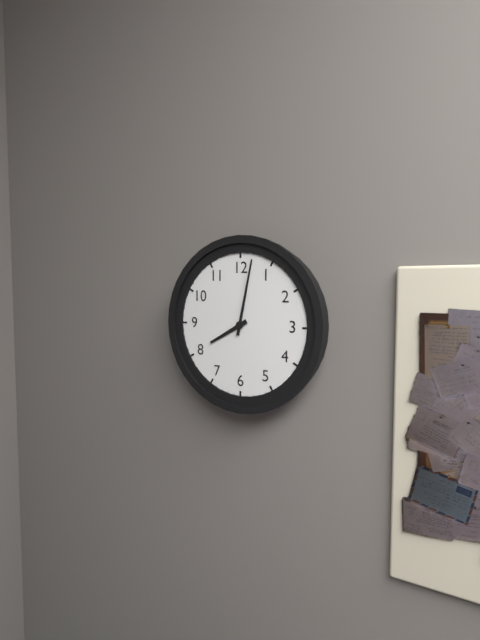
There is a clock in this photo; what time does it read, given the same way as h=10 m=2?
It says h=8 m=2
